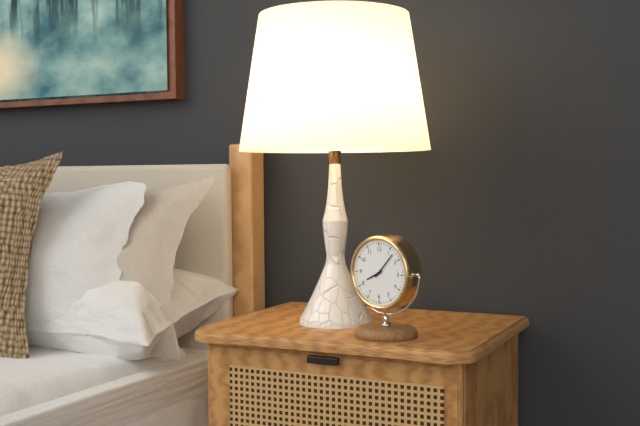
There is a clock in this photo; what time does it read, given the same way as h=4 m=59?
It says h=8 m=7
